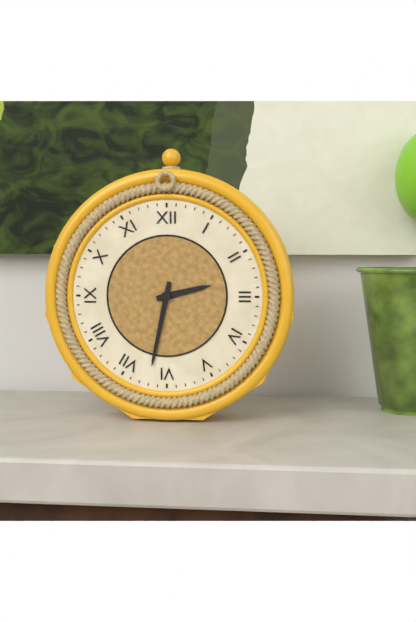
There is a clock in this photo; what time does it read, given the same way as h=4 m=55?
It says h=2 m=32
